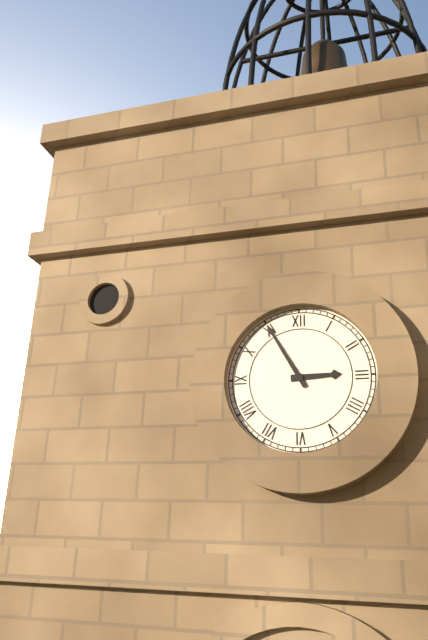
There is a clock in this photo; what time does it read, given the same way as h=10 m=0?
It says h=2 m=55
